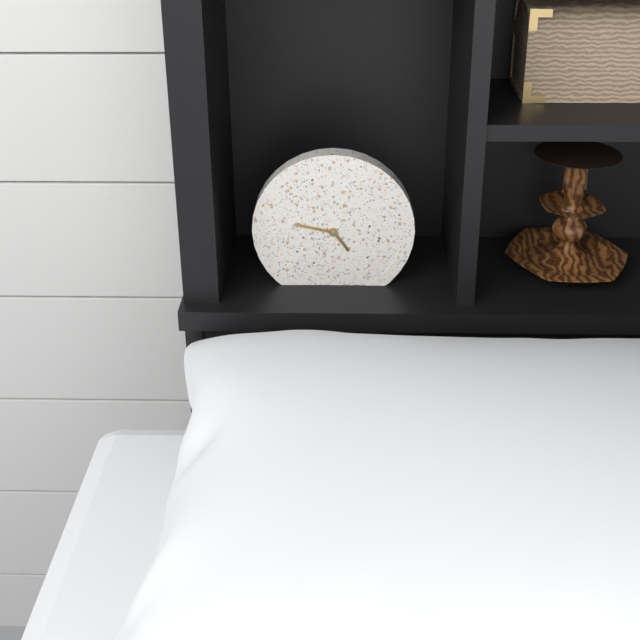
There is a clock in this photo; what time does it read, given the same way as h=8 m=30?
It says h=4 m=47
